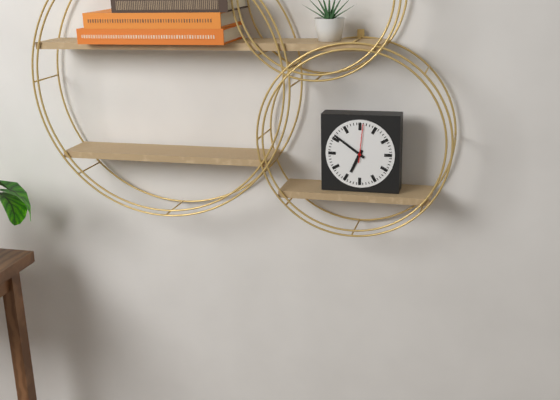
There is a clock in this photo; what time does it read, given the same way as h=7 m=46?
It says h=6 m=51
